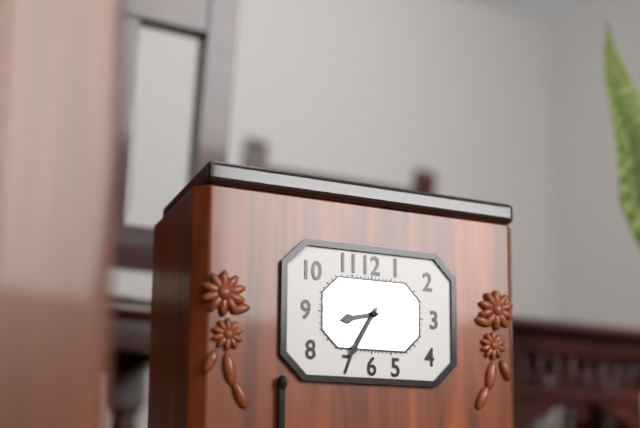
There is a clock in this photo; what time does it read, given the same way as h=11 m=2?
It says h=8 m=35
